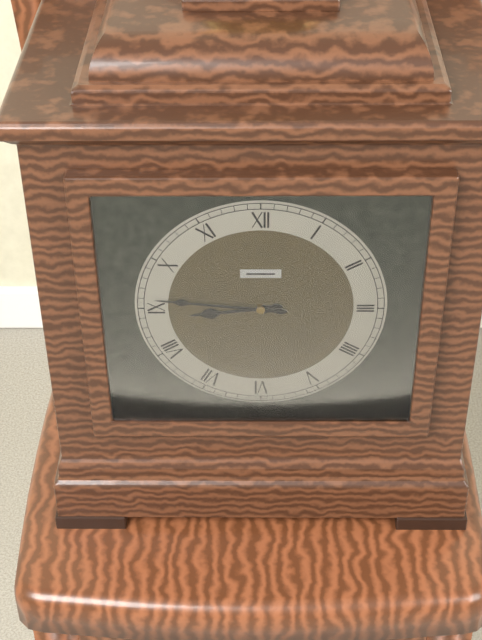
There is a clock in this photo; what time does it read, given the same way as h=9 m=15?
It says h=8 m=46
